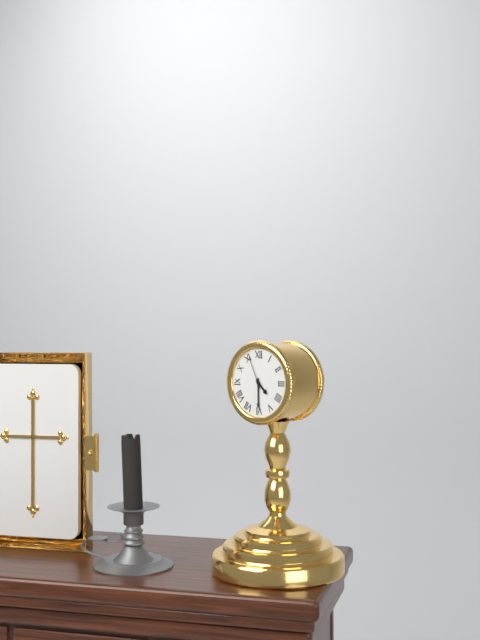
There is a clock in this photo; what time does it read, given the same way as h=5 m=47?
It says h=4 m=30
